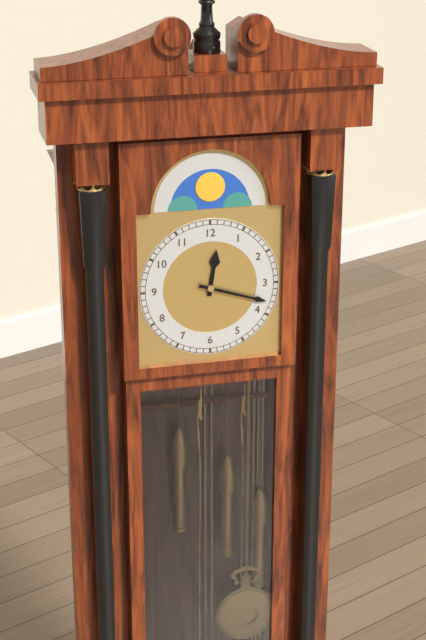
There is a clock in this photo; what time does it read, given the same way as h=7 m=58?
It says h=12 m=18
